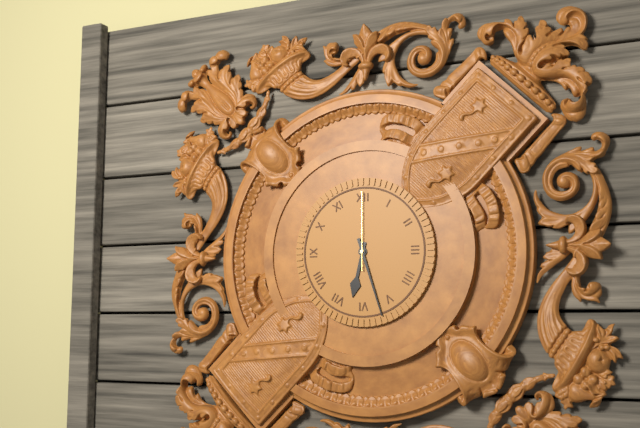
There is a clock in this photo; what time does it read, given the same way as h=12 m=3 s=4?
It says h=6 m=27 s=0
